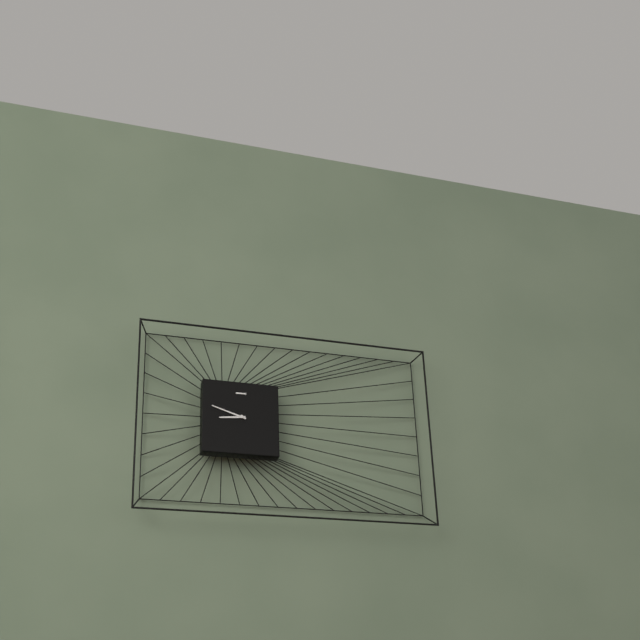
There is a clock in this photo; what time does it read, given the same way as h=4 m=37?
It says h=8 m=48
